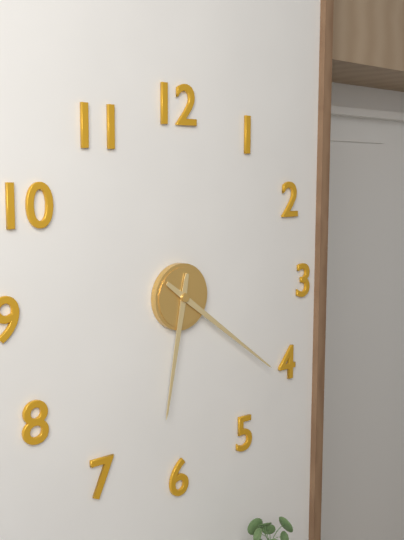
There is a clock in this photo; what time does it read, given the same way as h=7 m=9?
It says h=6 m=21
